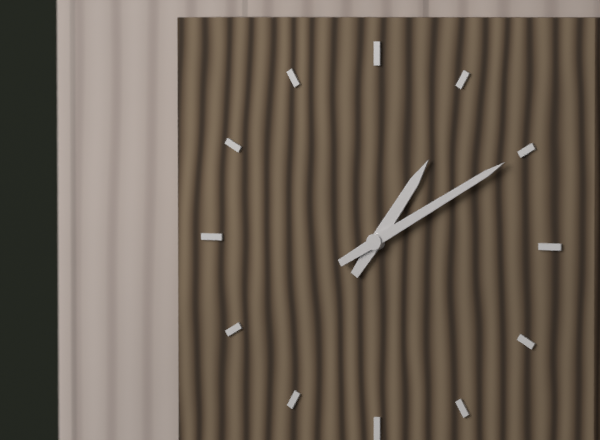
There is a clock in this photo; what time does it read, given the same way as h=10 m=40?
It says h=1 m=10
